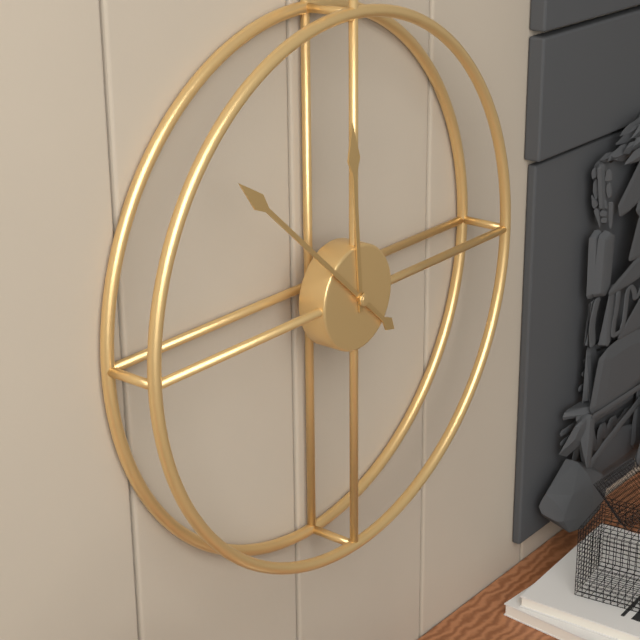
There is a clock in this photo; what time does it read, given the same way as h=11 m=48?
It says h=11 m=52
